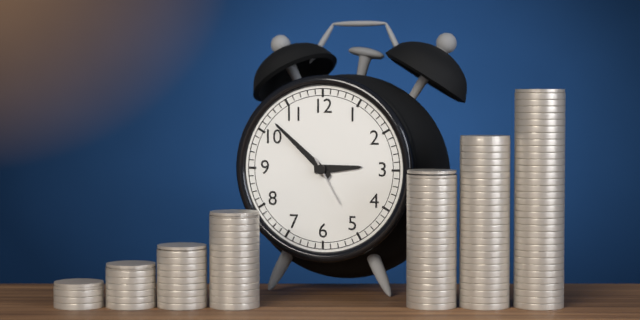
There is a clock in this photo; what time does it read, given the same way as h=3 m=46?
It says h=2 m=52
